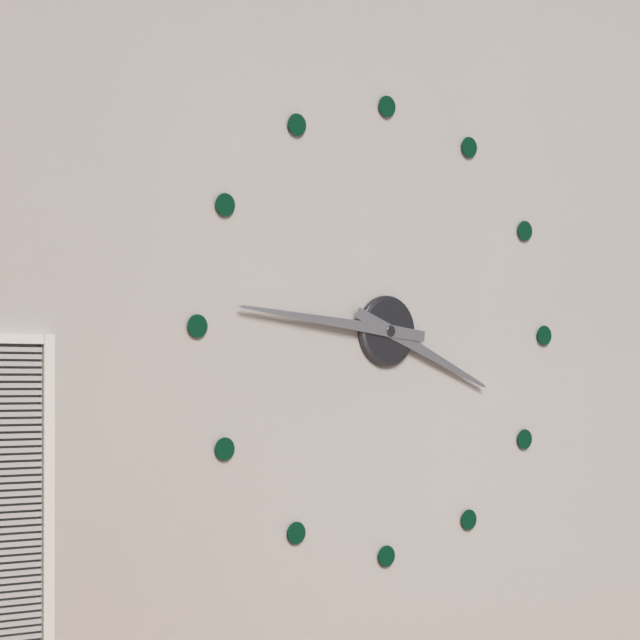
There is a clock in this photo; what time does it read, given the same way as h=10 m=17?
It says h=3 m=46
